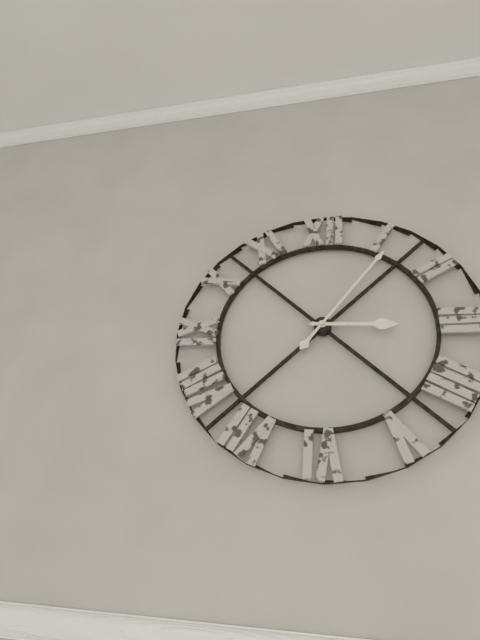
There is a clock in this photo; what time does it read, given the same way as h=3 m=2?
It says h=3 m=6
